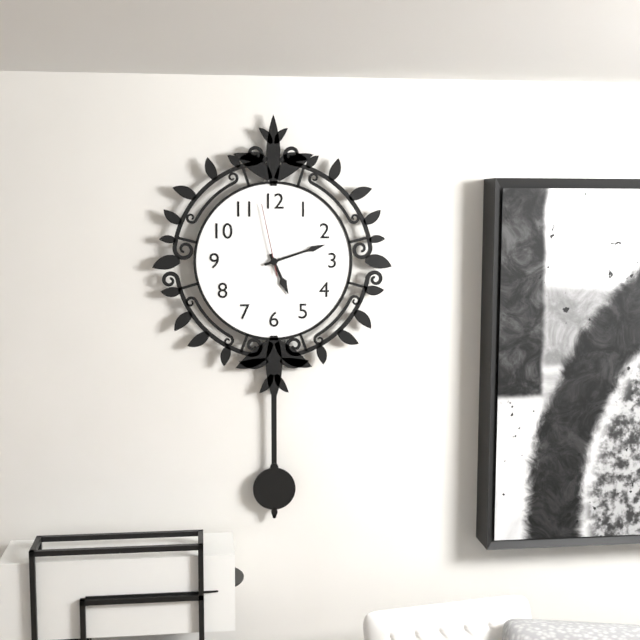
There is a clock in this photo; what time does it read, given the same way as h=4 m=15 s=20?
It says h=5 m=12 s=58
